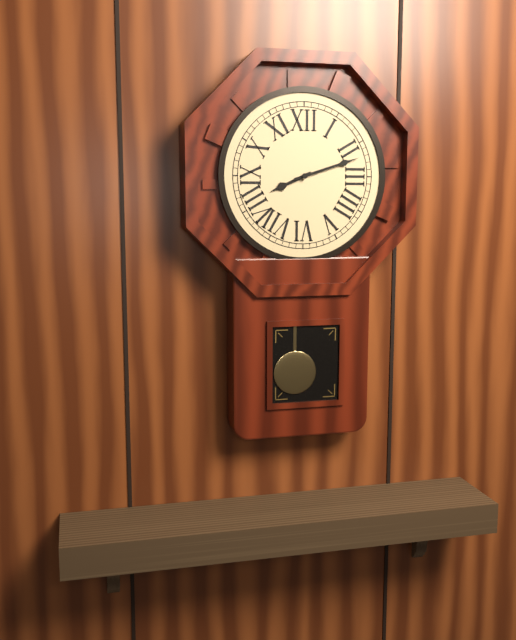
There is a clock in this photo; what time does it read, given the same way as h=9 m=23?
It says h=8 m=12
